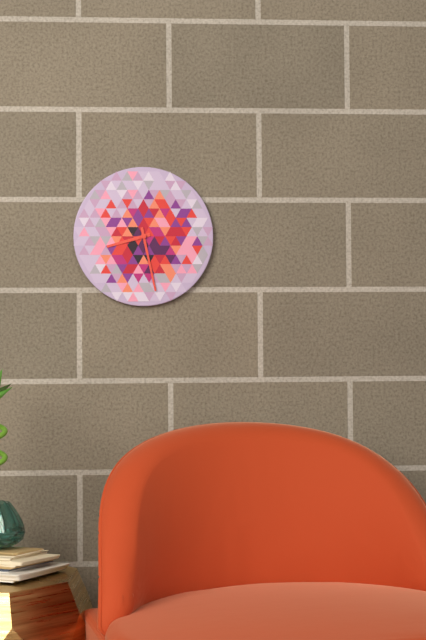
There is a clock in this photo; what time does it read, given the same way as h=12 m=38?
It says h=8 m=28
